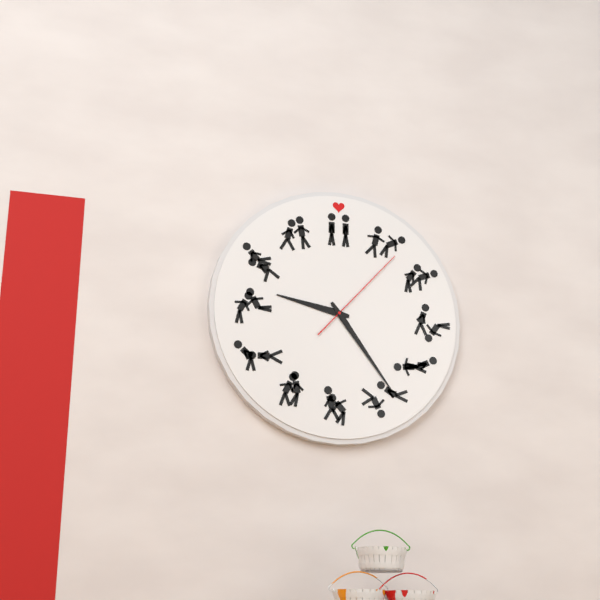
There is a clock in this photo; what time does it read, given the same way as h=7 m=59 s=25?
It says h=9 m=24 s=7
